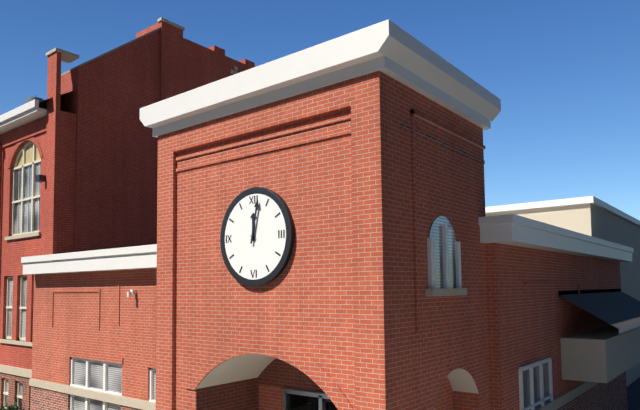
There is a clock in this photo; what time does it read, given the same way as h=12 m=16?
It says h=12 m=2
